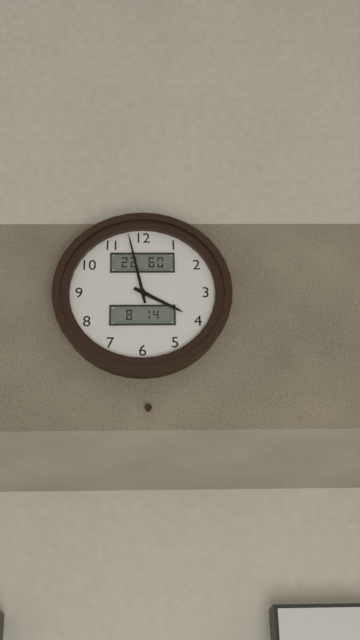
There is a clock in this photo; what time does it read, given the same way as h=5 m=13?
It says h=3 m=58
